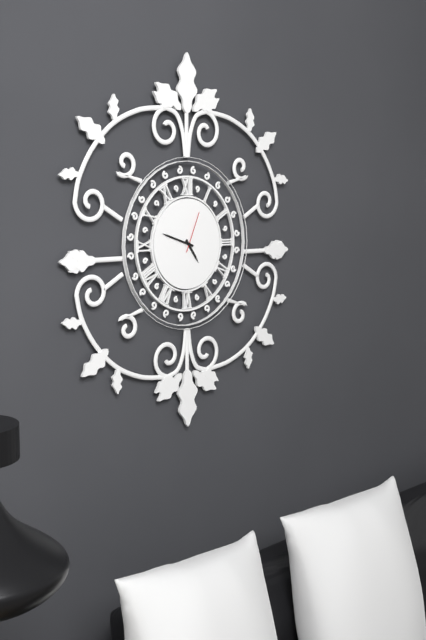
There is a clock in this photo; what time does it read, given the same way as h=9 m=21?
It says h=4 m=48
